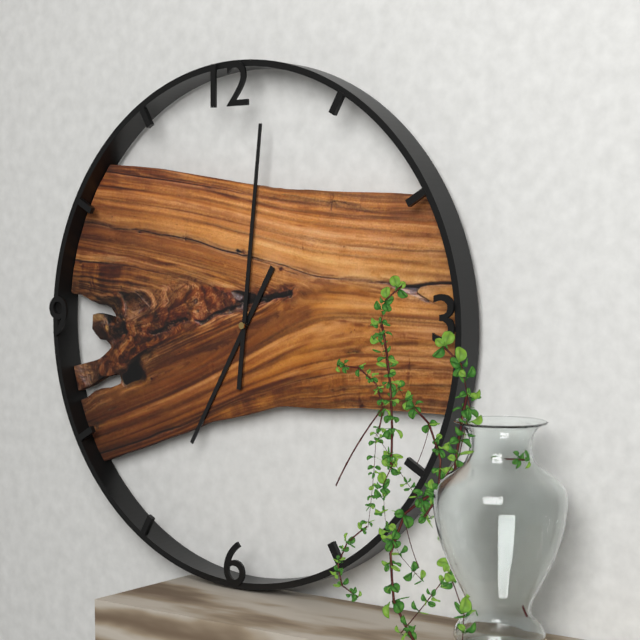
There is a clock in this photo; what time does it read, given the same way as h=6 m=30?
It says h=7 m=1
